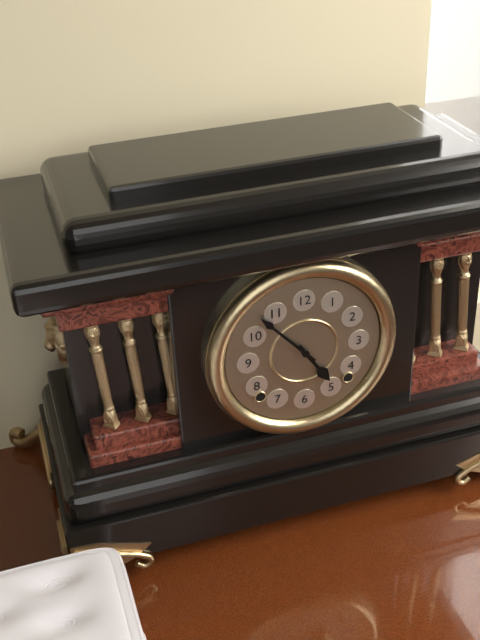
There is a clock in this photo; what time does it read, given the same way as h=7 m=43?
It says h=4 m=53
